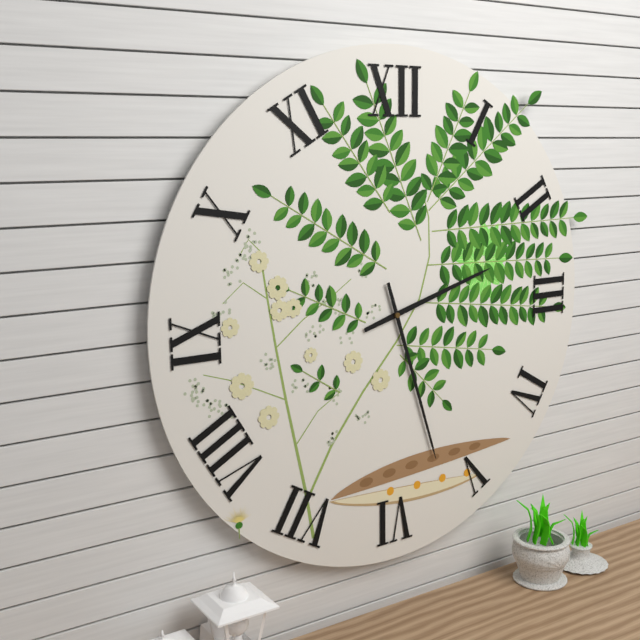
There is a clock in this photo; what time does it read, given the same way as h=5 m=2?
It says h=2 m=27
